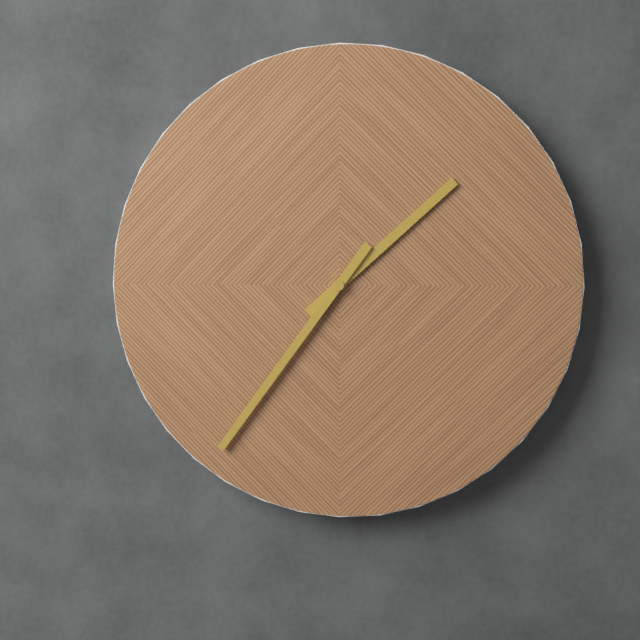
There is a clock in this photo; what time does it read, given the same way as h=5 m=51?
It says h=1 m=36
